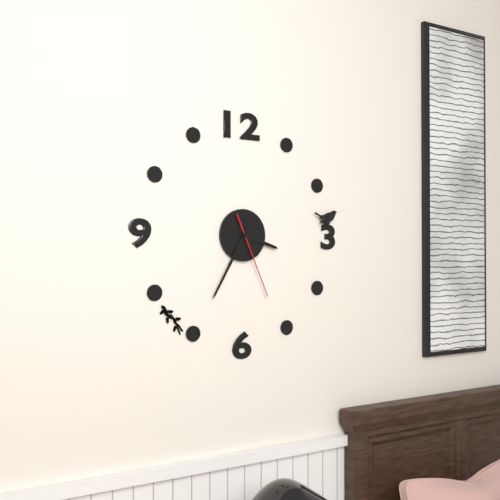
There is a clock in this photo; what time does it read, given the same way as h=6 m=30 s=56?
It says h=3 m=35 s=26
